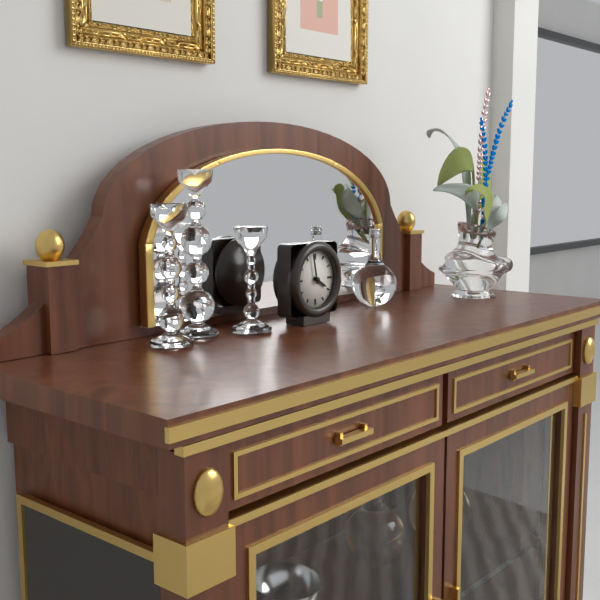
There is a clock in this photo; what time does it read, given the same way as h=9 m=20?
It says h=3 m=58
